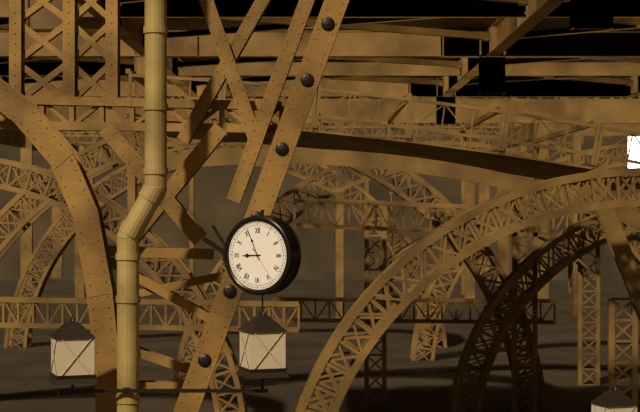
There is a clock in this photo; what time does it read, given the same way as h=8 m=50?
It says h=8 m=56
